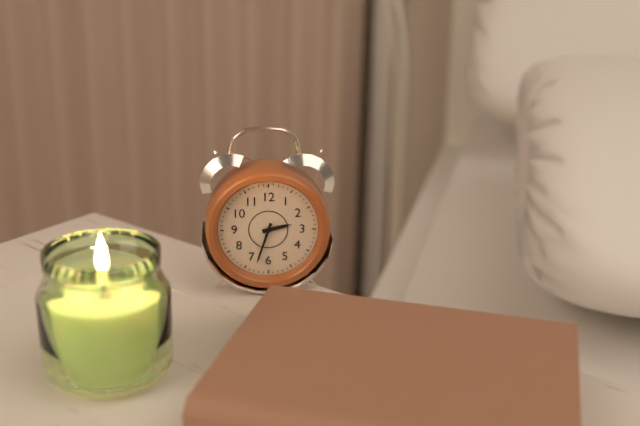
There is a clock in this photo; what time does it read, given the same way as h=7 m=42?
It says h=2 m=33
